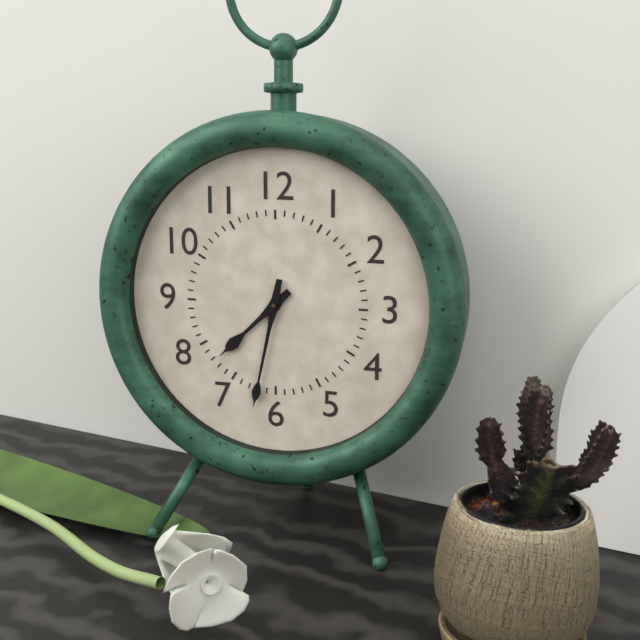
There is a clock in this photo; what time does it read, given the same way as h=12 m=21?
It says h=7 m=32
